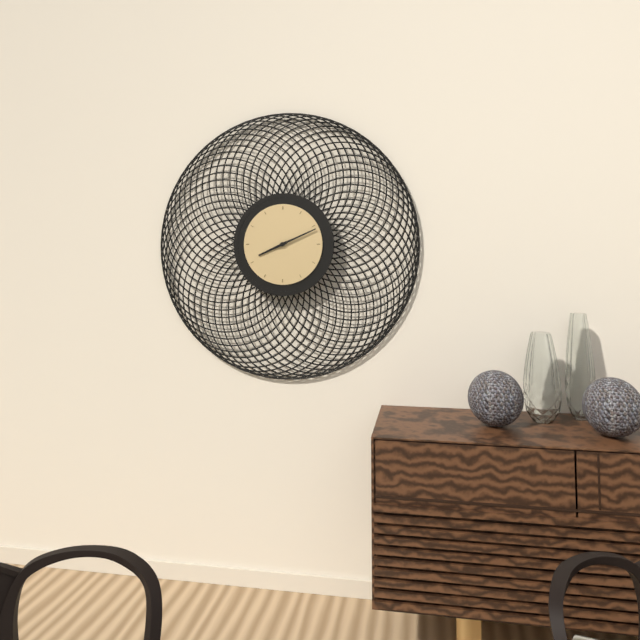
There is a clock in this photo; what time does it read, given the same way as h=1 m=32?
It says h=8 m=11
